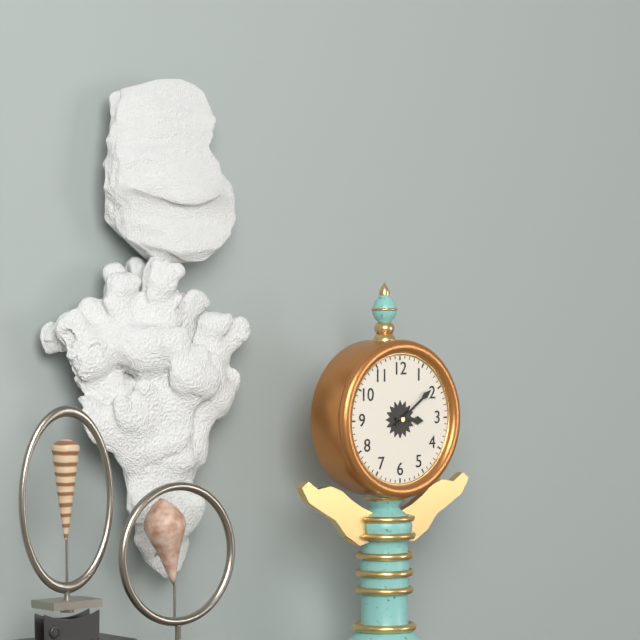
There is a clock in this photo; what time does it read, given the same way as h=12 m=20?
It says h=3 m=9
